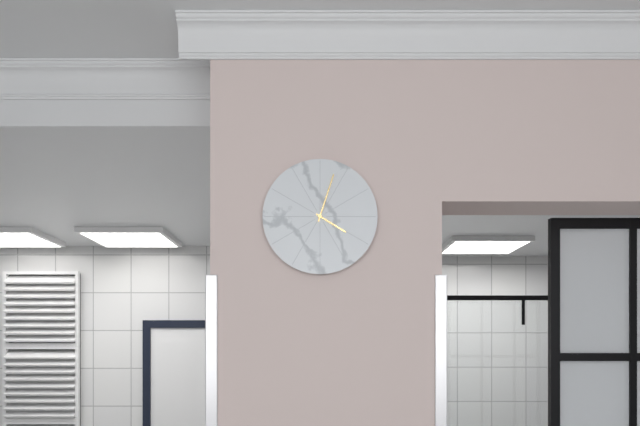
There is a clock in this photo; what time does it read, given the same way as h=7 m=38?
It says h=4 m=3
